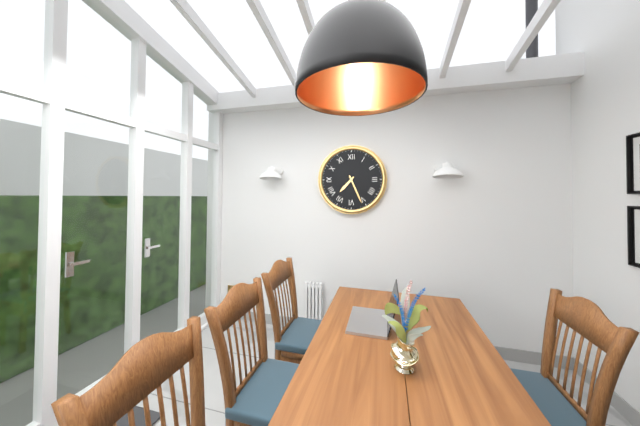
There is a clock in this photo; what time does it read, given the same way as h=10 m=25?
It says h=7 m=26
